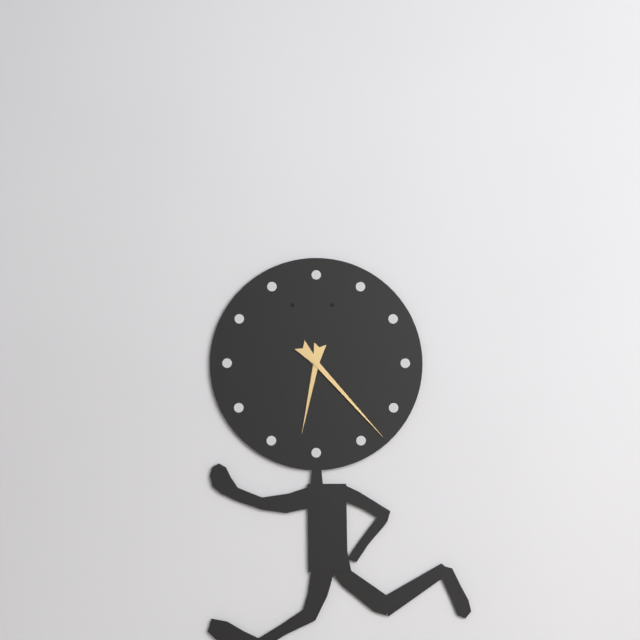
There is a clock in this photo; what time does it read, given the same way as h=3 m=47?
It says h=6 m=23
